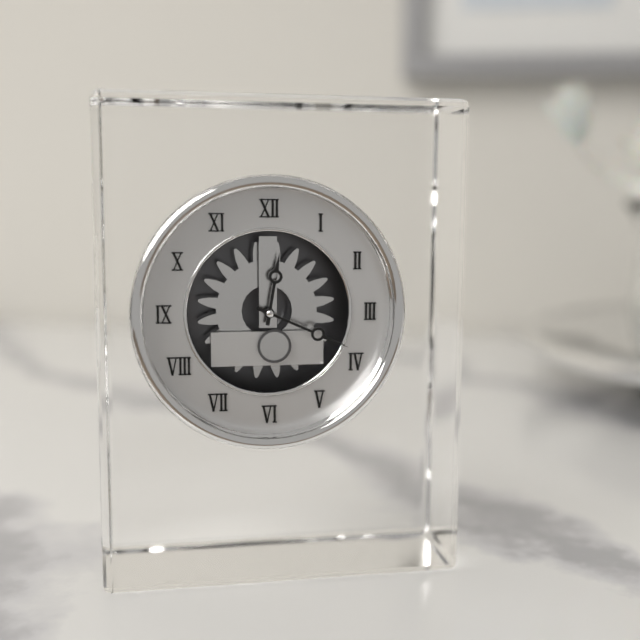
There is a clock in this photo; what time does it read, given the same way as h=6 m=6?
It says h=12 m=19
